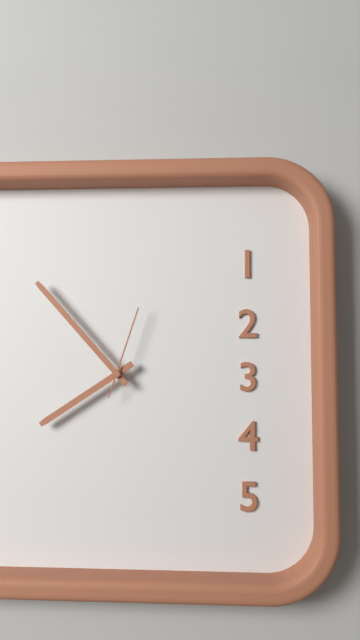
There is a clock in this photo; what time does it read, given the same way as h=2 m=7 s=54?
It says h=7 m=53 s=3
